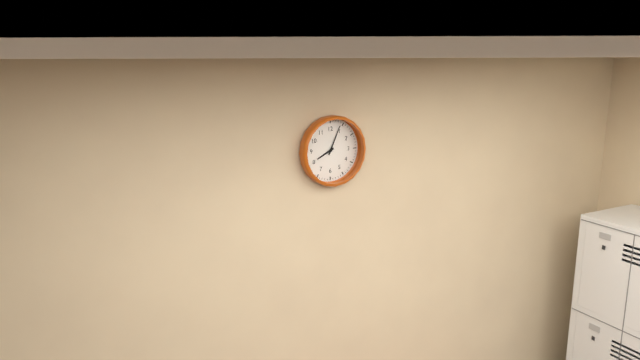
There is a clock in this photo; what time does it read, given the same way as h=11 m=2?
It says h=8 m=4
